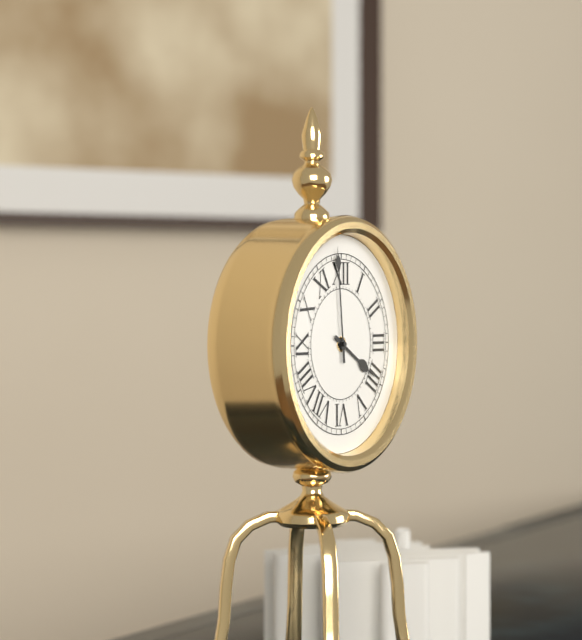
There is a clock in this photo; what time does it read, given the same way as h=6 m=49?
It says h=3 m=59
